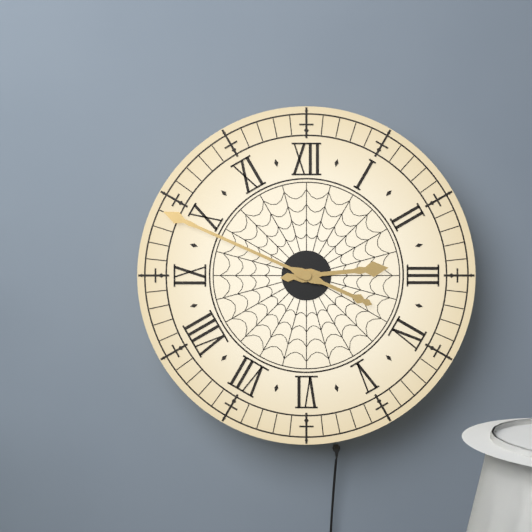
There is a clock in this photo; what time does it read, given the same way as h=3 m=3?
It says h=2 m=49
